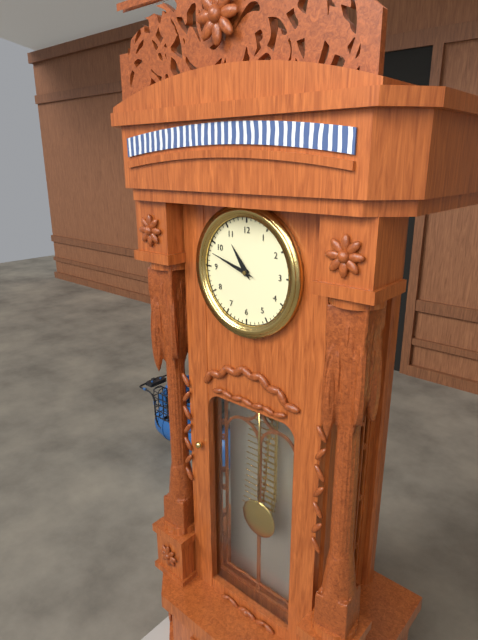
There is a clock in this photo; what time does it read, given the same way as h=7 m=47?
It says h=10 m=48
